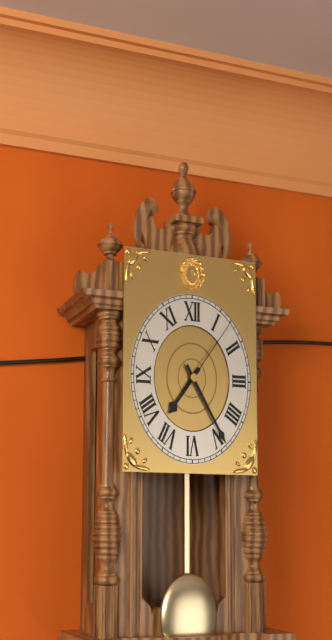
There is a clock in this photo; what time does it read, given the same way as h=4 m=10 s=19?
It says h=7 m=24 s=7
